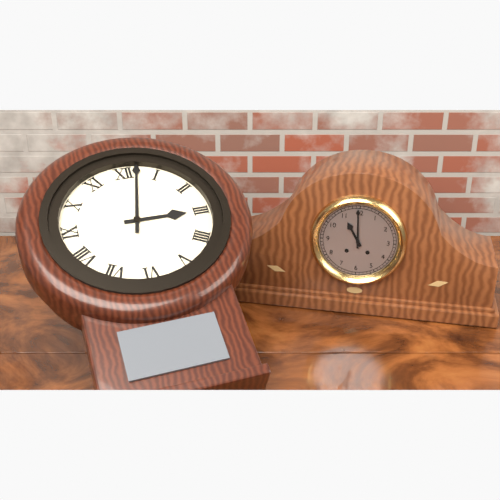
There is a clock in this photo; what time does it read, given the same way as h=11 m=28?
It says h=3 m=2
